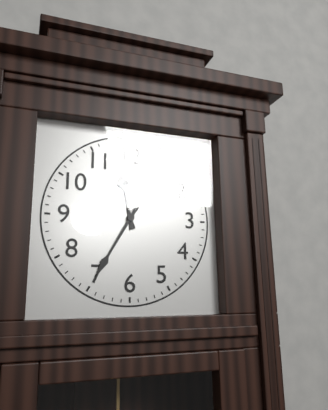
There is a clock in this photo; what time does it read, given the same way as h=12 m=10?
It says h=11 m=35
